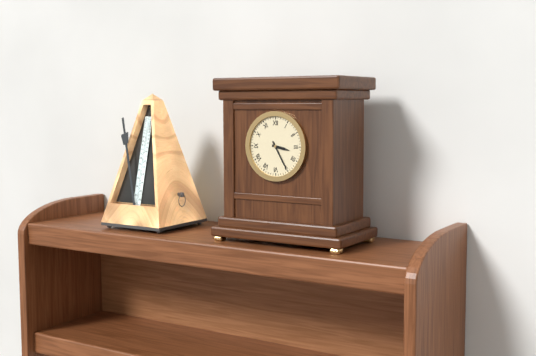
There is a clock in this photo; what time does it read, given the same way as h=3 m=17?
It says h=3 m=25
